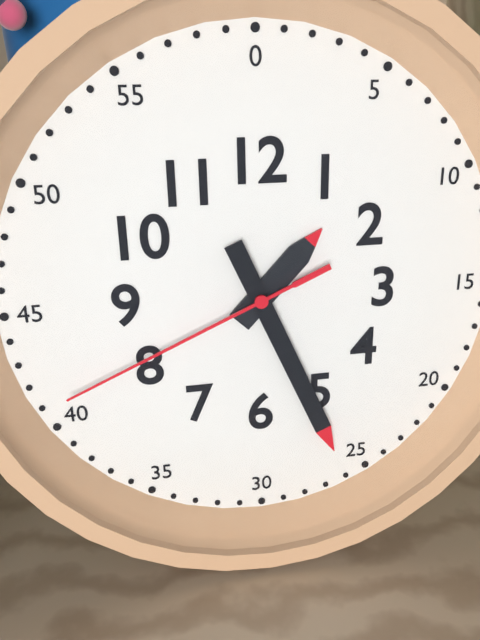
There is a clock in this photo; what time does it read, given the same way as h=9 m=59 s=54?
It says h=1 m=26 s=41
